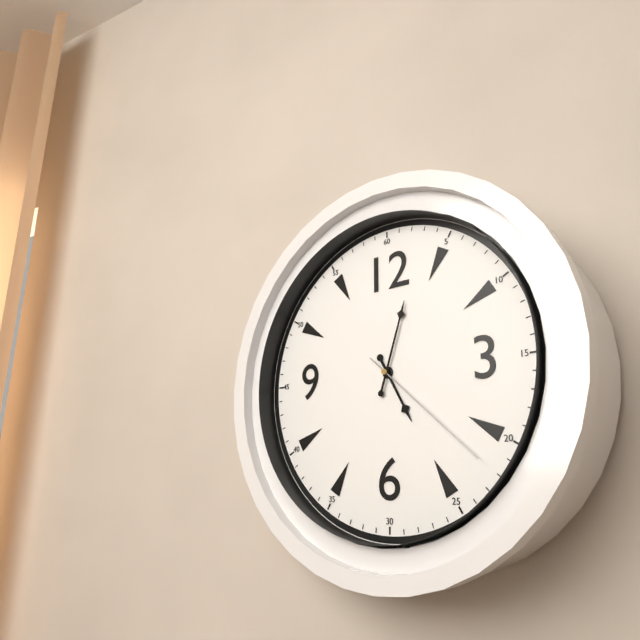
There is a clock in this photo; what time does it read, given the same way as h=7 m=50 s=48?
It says h=5 m=3 s=22
